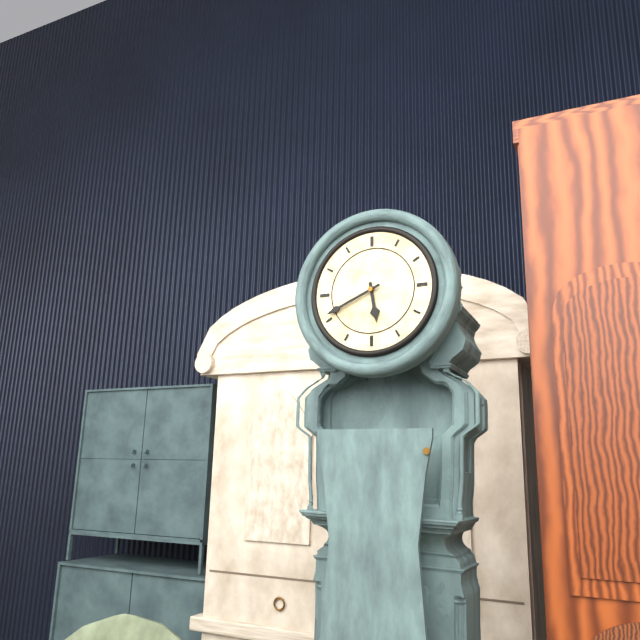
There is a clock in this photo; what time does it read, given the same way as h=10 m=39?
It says h=5 m=41
